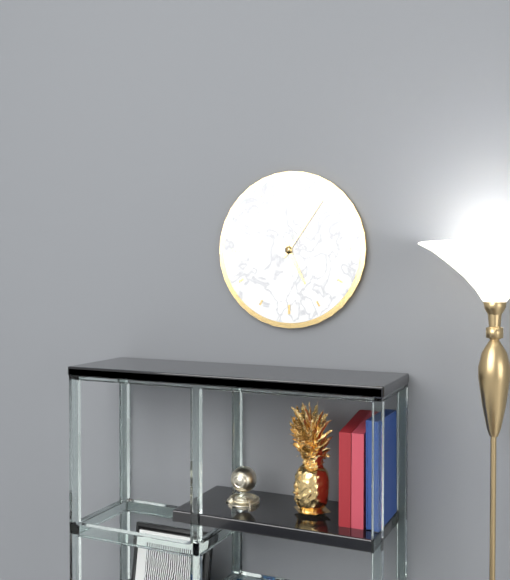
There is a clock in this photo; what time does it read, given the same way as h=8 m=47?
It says h=5 m=6
